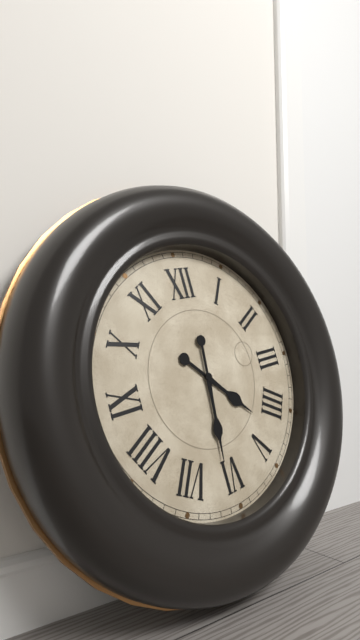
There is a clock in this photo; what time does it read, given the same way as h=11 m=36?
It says h=4 m=31
